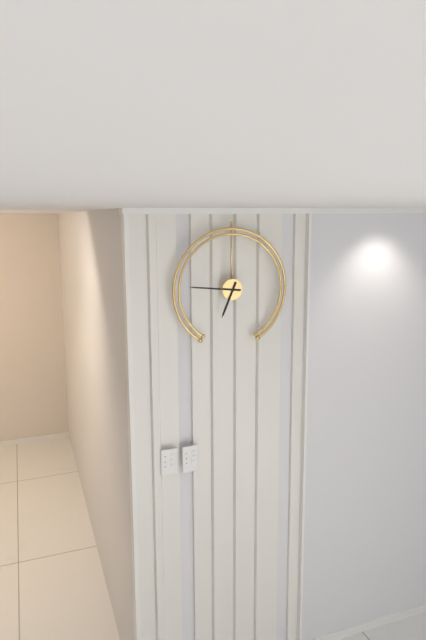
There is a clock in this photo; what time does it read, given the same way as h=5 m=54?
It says h=6 m=46
